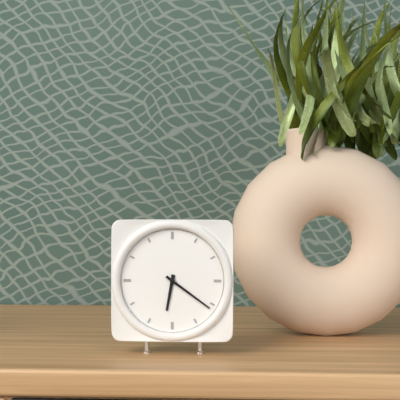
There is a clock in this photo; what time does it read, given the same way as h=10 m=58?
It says h=6 m=21
